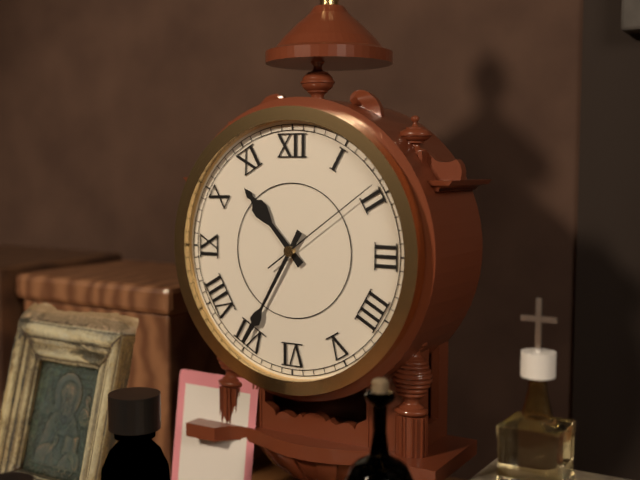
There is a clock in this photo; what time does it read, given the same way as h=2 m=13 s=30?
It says h=10 m=35 s=9
